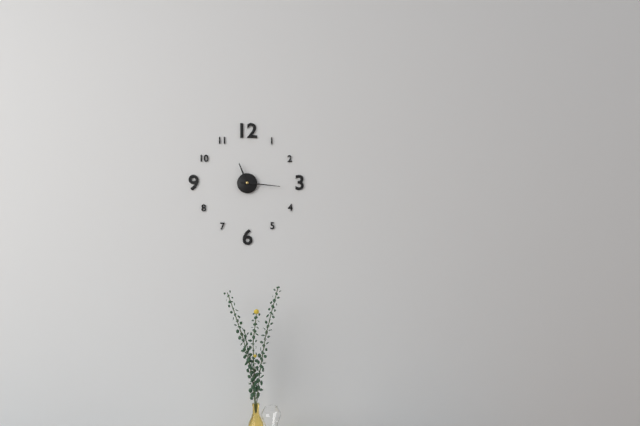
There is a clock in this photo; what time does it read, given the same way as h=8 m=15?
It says h=11 m=16
